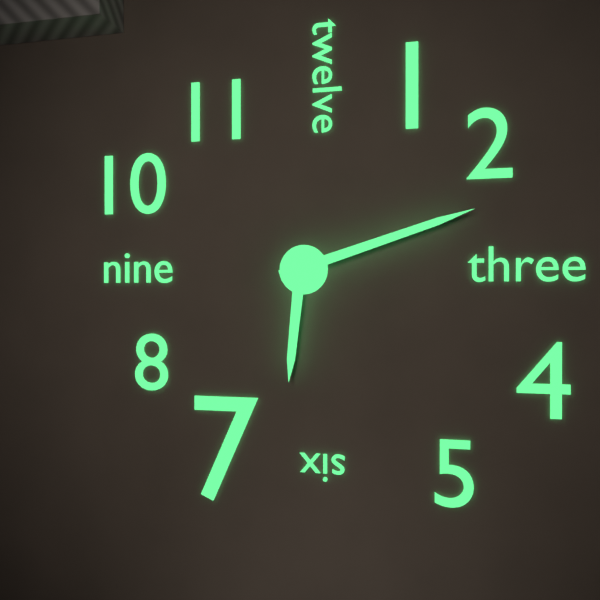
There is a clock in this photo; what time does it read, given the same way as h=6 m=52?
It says h=6 m=12
